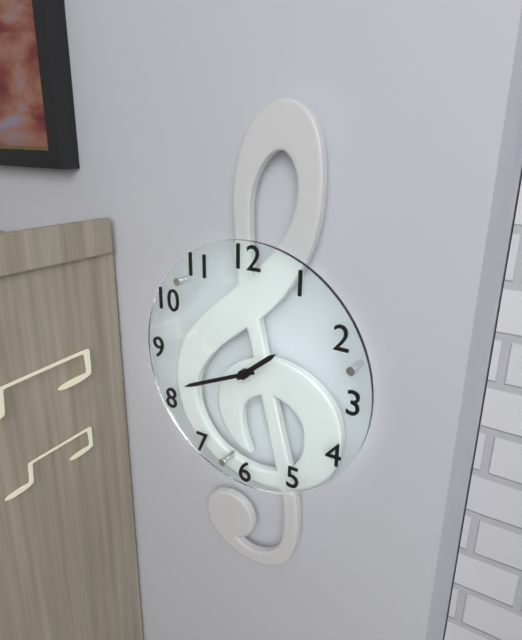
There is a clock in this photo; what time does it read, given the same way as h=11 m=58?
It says h=1 m=41
